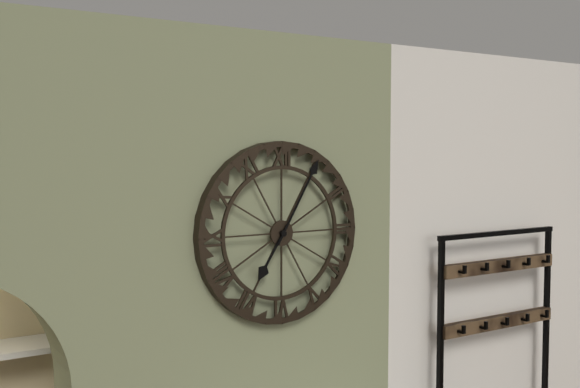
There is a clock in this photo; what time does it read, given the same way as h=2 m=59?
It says h=7 m=5
